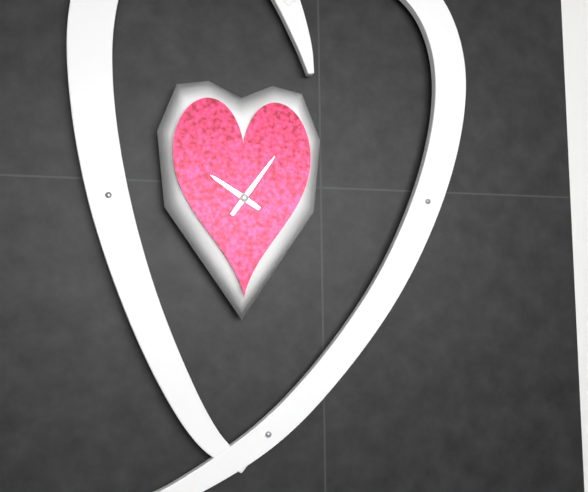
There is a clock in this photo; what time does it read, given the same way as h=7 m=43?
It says h=10 m=6
